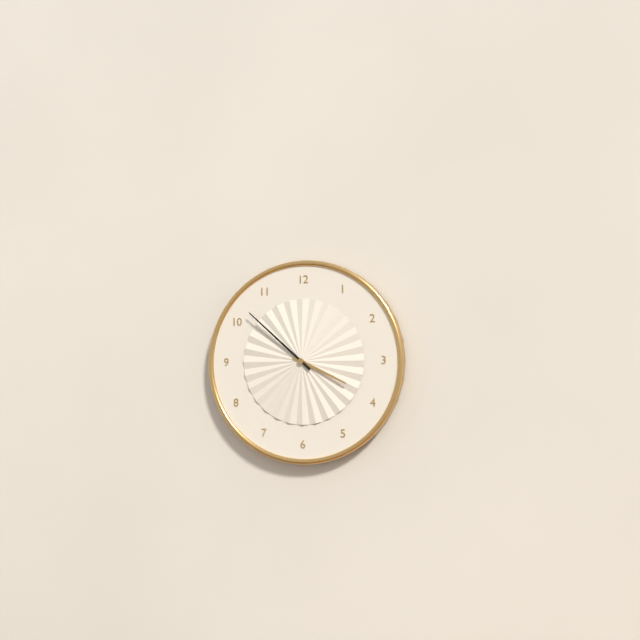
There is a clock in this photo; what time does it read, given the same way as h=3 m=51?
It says h=3 m=52
